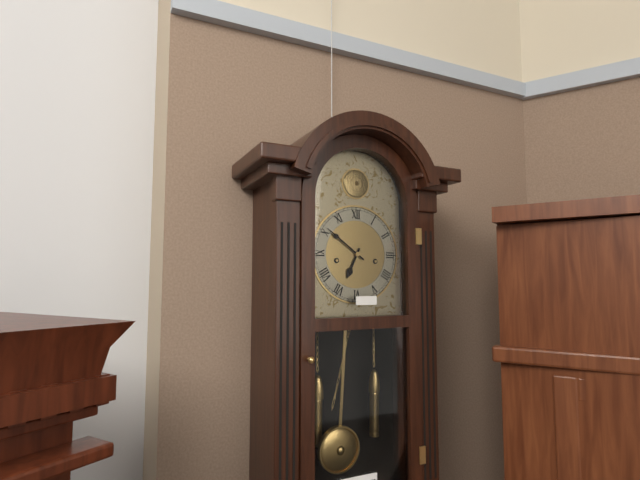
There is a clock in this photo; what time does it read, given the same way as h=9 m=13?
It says h=6 m=51
